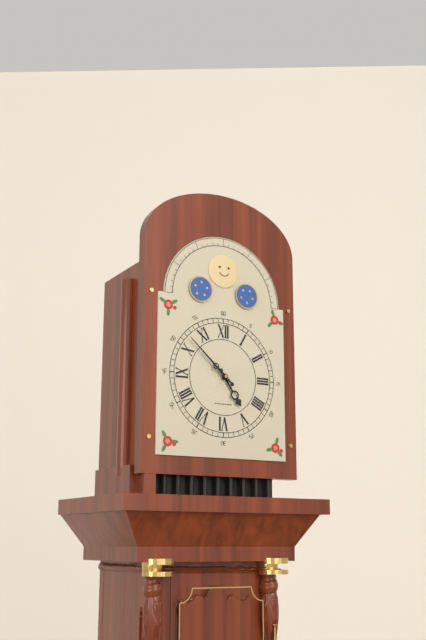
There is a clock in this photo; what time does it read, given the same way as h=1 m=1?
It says h=4 m=52
